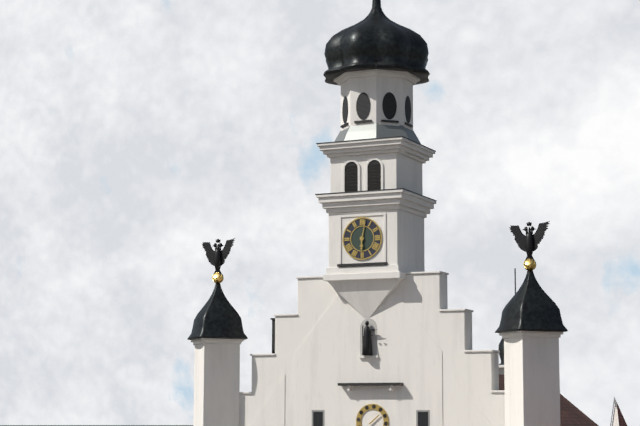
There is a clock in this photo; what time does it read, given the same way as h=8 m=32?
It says h=6 m=2
